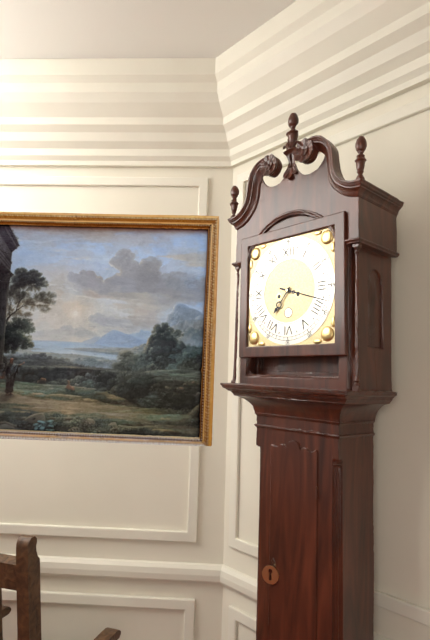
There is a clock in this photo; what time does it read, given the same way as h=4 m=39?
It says h=7 m=18
